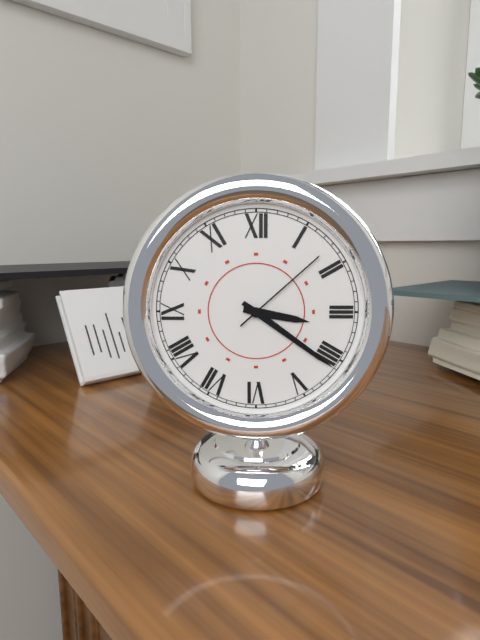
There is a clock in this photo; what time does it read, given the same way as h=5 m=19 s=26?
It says h=3 m=21 s=8
